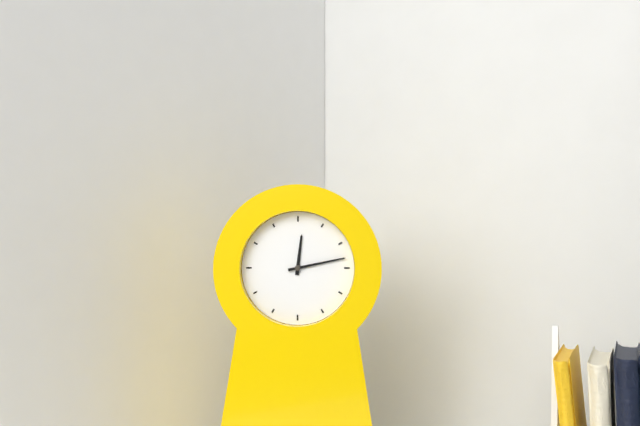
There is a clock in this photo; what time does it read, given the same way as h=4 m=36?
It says h=12 m=13
